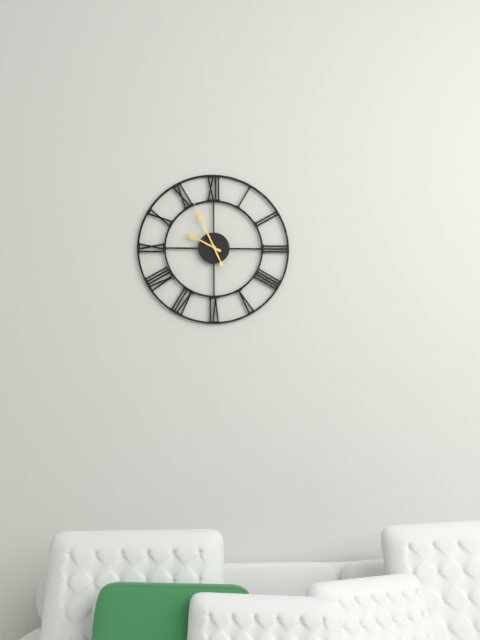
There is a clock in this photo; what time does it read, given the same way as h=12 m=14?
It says h=9 m=56
